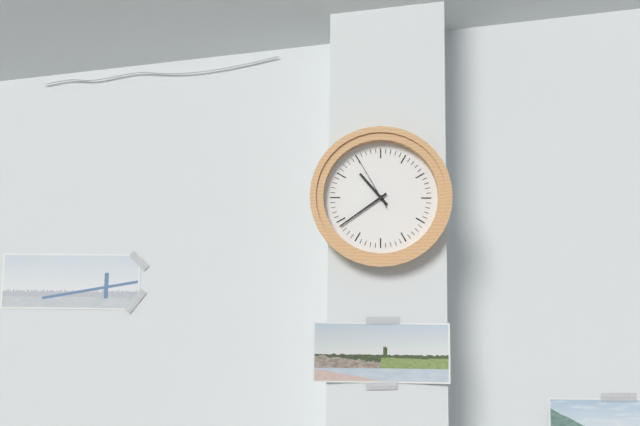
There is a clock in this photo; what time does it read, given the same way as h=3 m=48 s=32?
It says h=10 m=39 s=55
